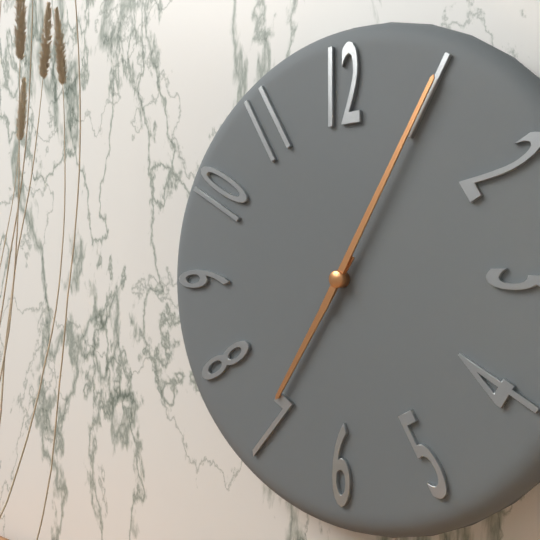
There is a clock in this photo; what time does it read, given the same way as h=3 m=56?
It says h=7 m=5
